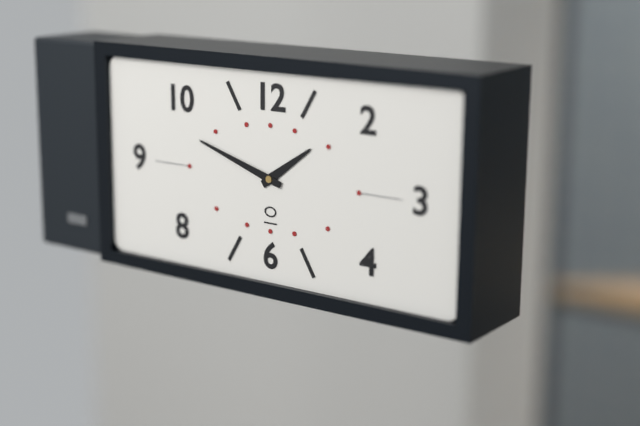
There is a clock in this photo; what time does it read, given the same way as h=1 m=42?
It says h=1 m=48
